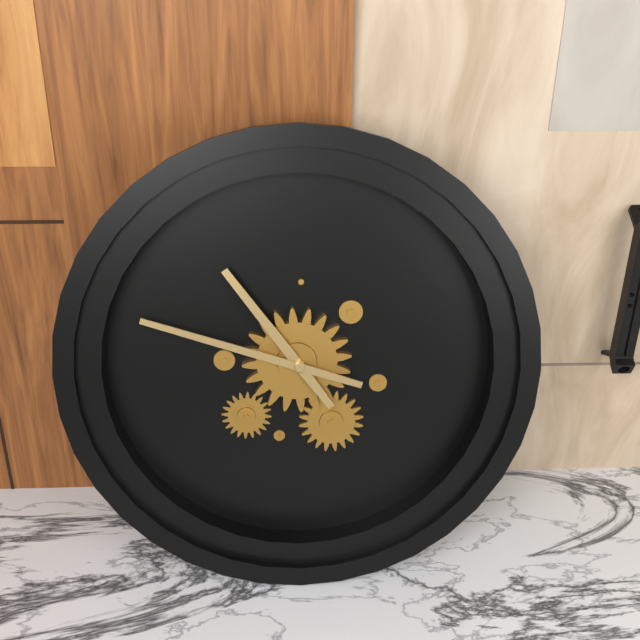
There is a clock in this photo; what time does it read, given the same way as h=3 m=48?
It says h=10 m=48
